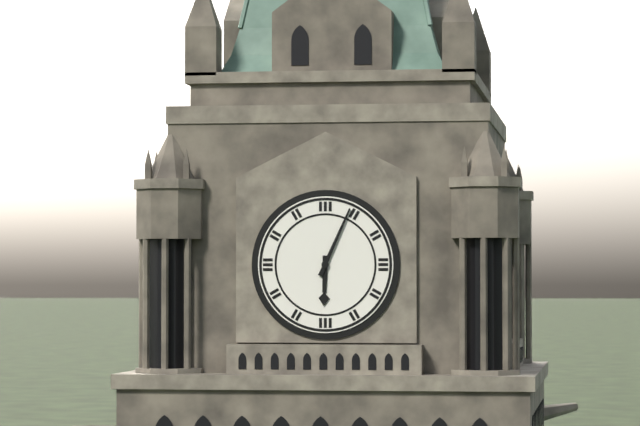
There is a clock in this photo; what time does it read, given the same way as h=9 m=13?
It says h=6 m=4
